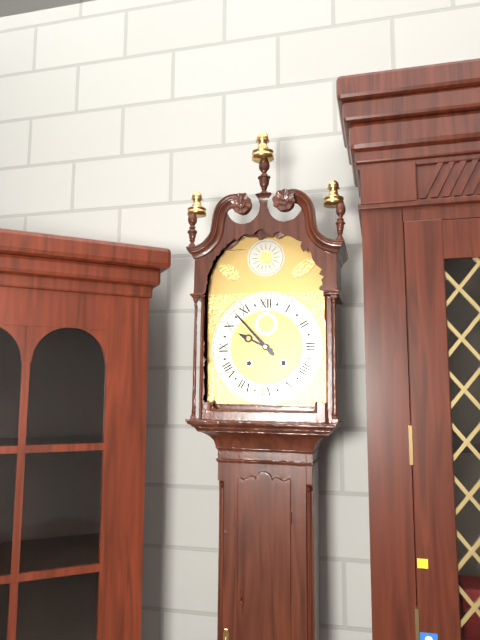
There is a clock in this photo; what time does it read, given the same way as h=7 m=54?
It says h=9 m=53
